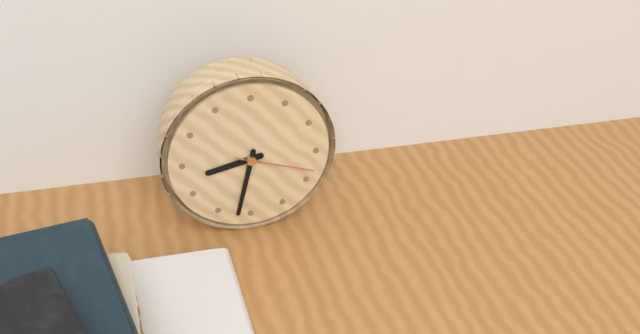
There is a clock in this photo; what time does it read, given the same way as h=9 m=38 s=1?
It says h=8 m=32 s=18
